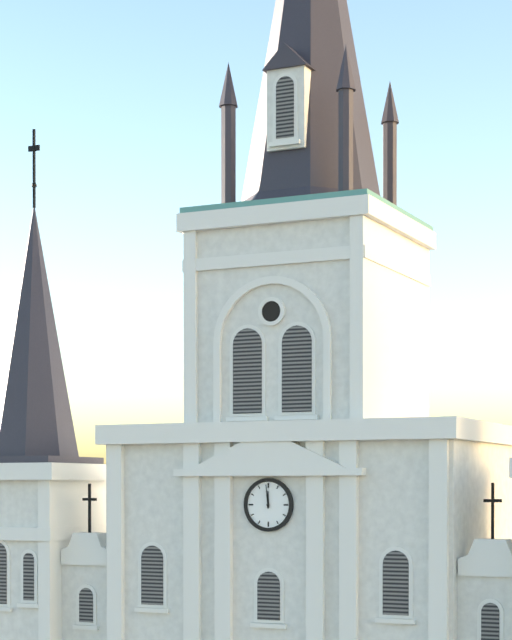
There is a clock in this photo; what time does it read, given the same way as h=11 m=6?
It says h=11 m=59
